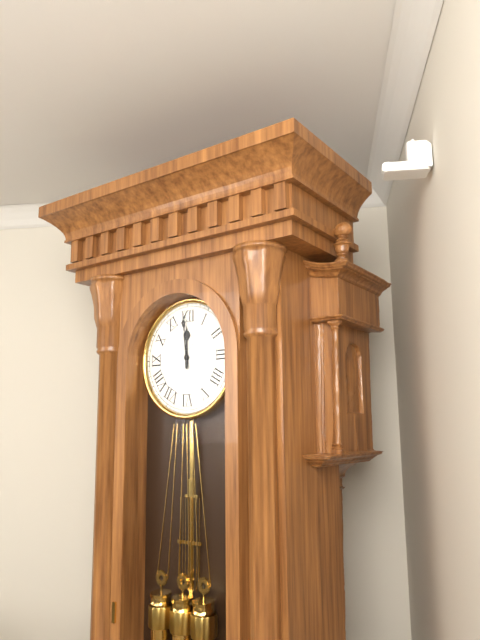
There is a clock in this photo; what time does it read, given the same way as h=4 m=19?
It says h=11 m=59
